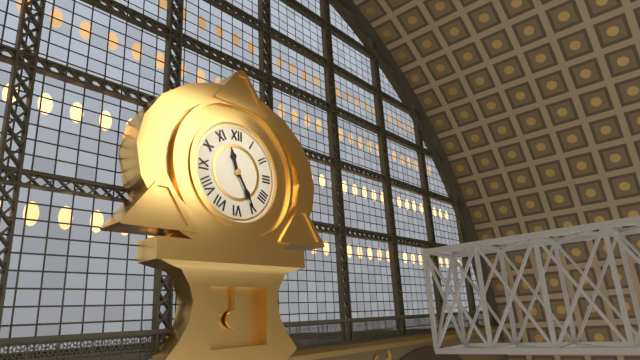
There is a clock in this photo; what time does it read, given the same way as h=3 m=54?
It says h=11 m=25
